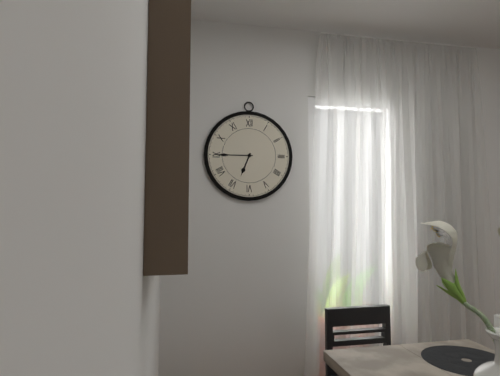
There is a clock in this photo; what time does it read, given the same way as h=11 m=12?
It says h=6 m=45
